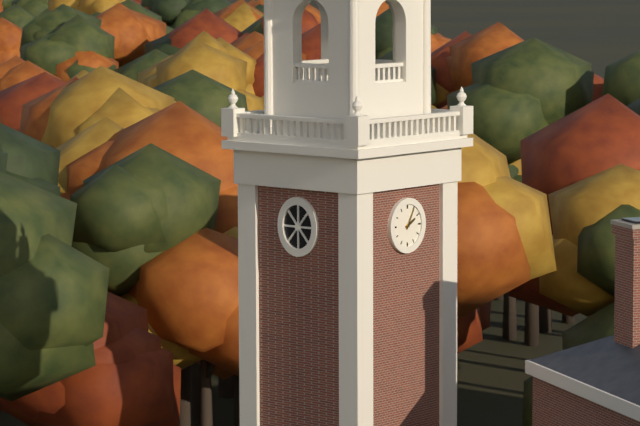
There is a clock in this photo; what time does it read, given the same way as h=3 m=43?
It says h=2 m=5
